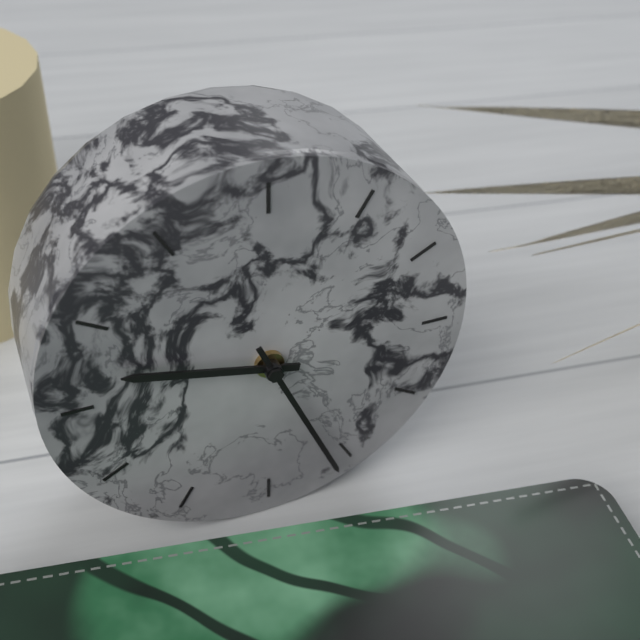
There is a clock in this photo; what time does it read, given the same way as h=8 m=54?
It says h=9 m=26
